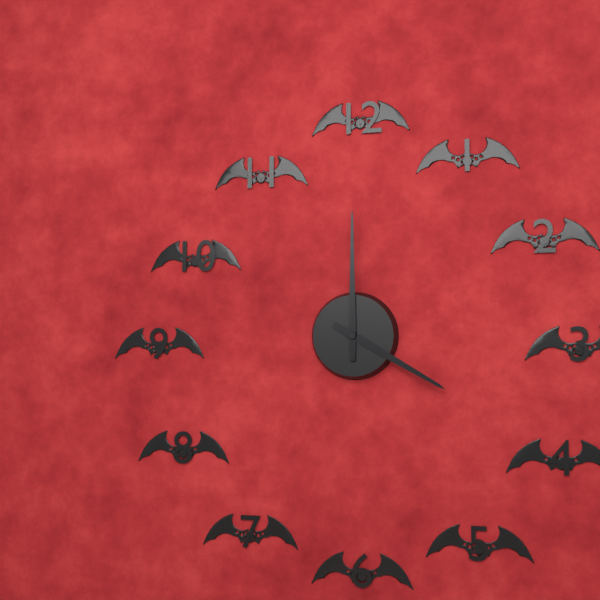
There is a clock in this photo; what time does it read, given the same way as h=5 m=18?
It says h=4 m=0
